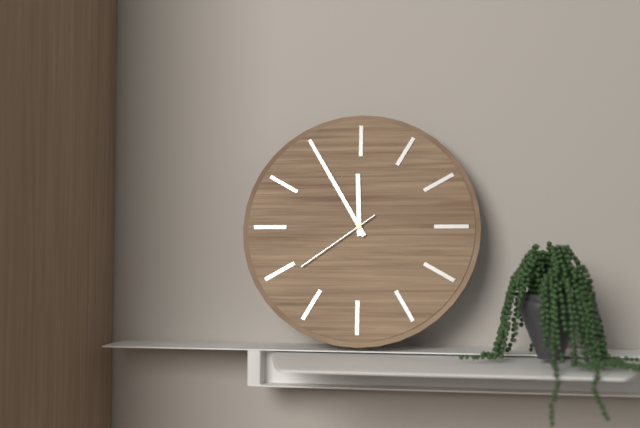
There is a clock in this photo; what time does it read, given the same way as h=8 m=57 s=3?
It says h=11 m=55 s=39
